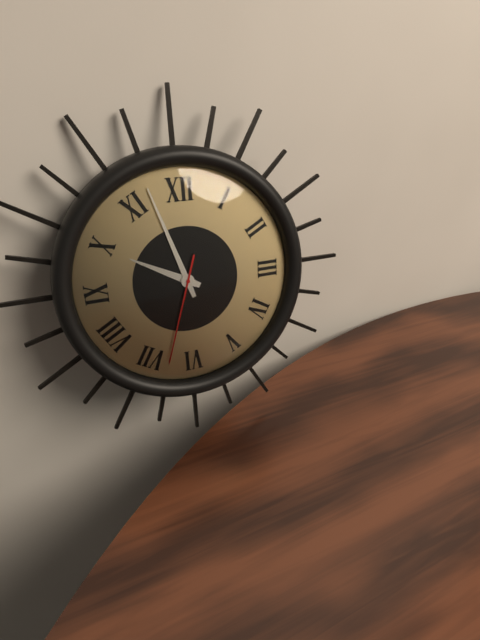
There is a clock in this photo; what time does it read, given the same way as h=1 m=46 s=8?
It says h=9 m=57 s=33
